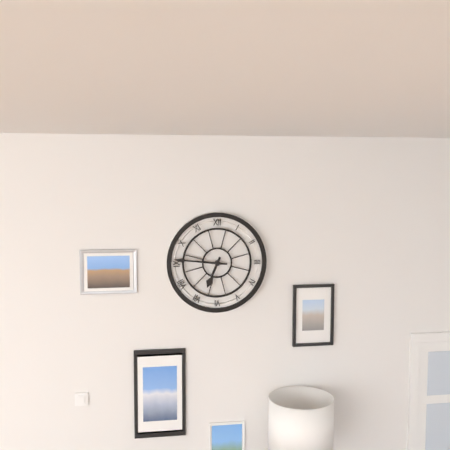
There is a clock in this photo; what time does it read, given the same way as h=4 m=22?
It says h=6 m=46
